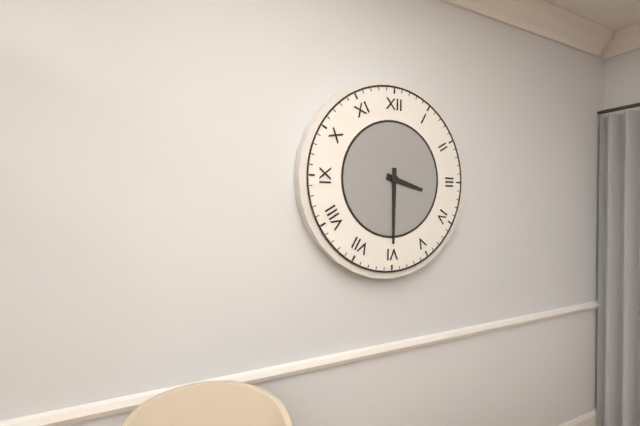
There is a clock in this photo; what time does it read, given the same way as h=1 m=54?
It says h=3 m=30
